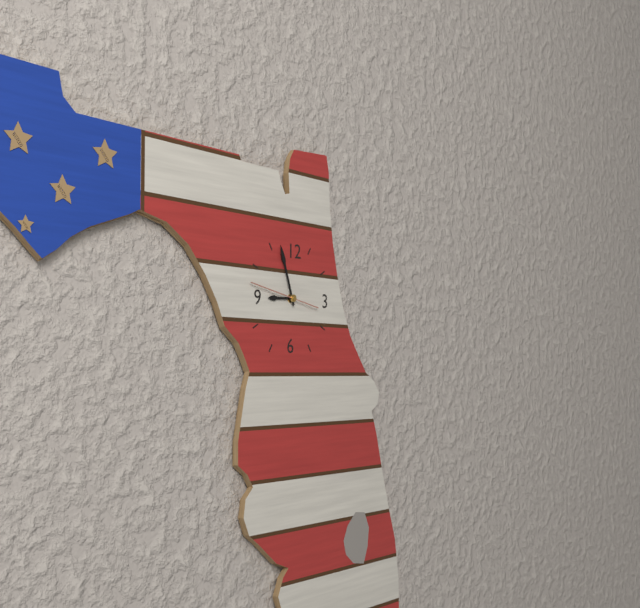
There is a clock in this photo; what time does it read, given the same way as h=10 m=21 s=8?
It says h=8 m=57 s=47
